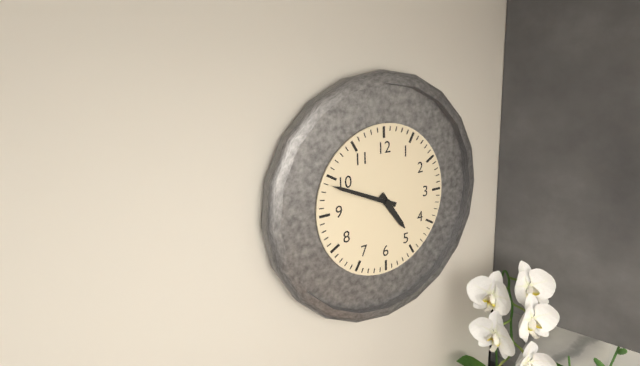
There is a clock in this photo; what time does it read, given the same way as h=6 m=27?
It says h=4 m=49
